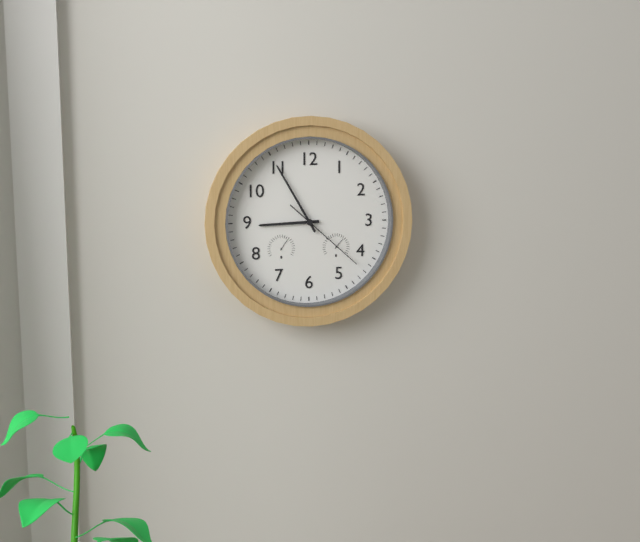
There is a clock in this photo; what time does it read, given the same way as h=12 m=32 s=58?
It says h=8 m=55 s=22
